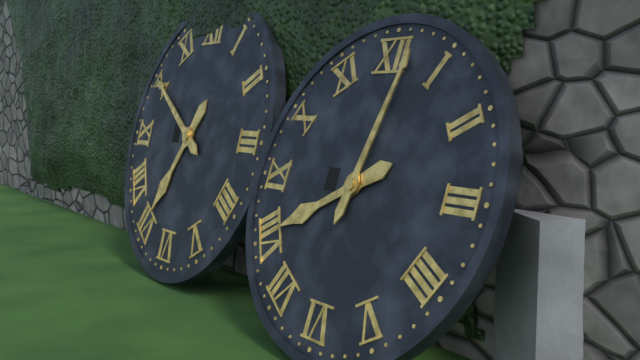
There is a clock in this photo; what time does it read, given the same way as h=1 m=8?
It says h=8 m=2
